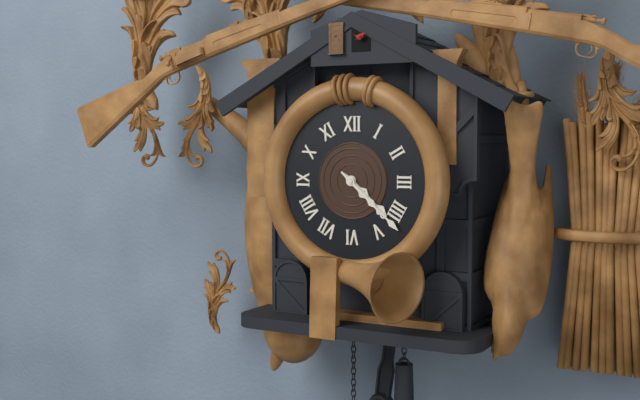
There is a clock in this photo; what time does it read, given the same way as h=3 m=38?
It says h=4 m=22
